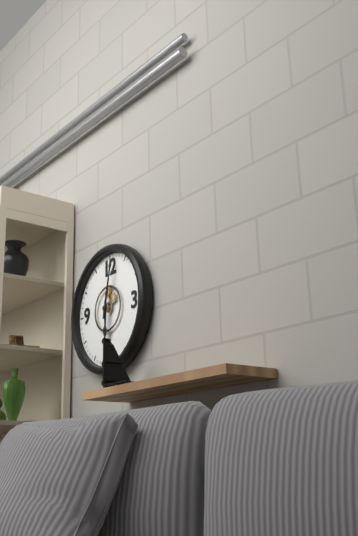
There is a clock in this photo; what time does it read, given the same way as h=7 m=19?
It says h=6 m=2
